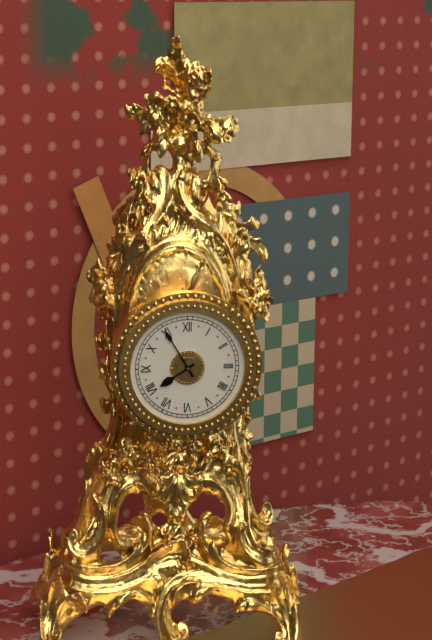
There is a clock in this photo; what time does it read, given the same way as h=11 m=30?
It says h=7 m=55
